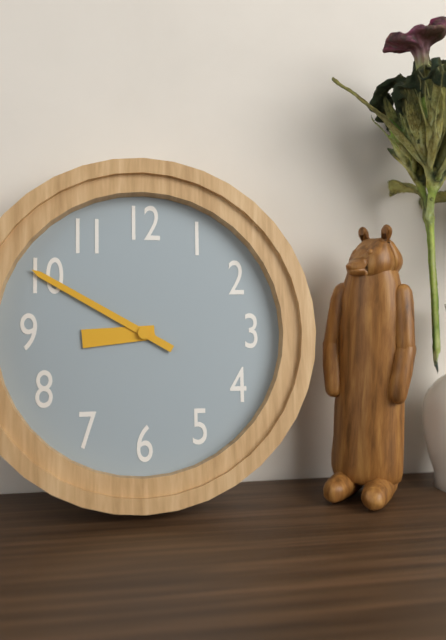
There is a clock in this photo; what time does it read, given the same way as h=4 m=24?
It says h=8 m=50
